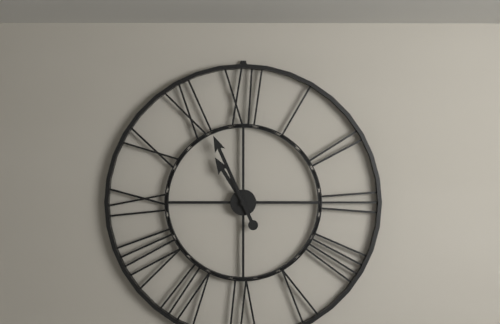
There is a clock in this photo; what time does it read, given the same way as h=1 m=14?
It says h=10 m=56
